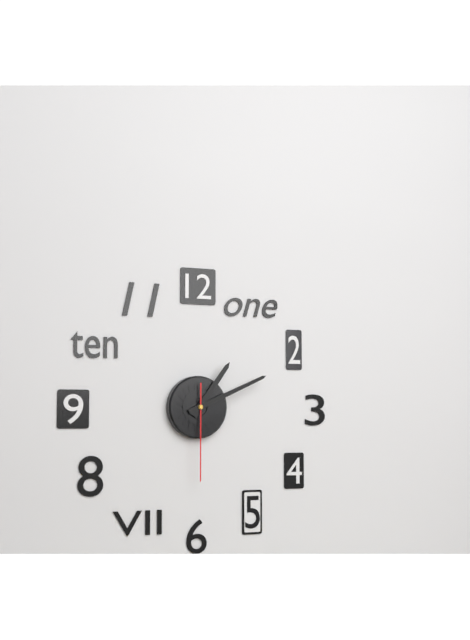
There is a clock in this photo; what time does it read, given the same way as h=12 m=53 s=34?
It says h=1 m=11 s=30
